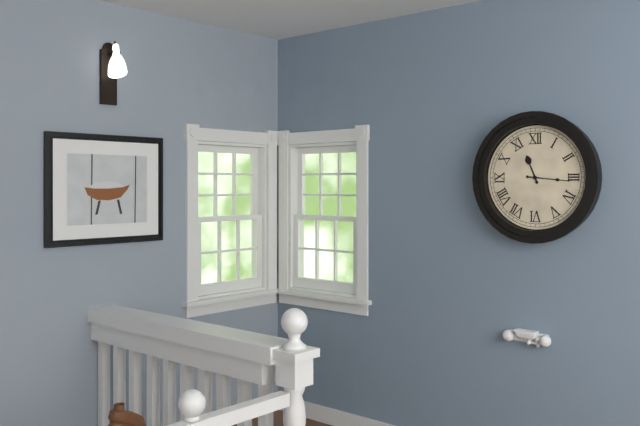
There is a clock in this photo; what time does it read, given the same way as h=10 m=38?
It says h=11 m=16
